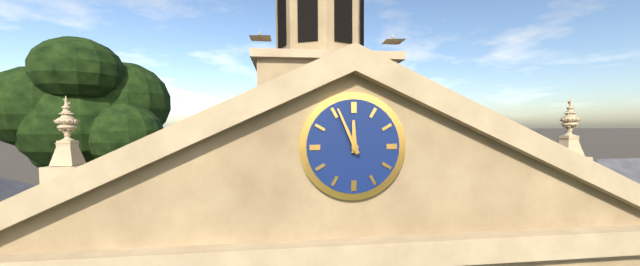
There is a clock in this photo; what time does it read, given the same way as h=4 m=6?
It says h=11 m=56
